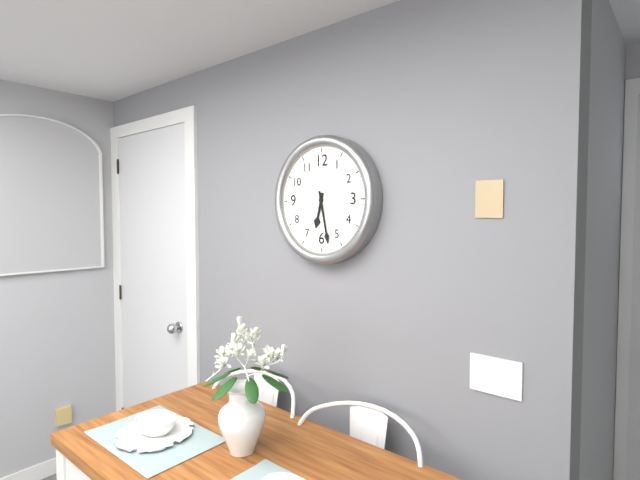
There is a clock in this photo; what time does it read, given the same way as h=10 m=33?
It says h=6 m=28
